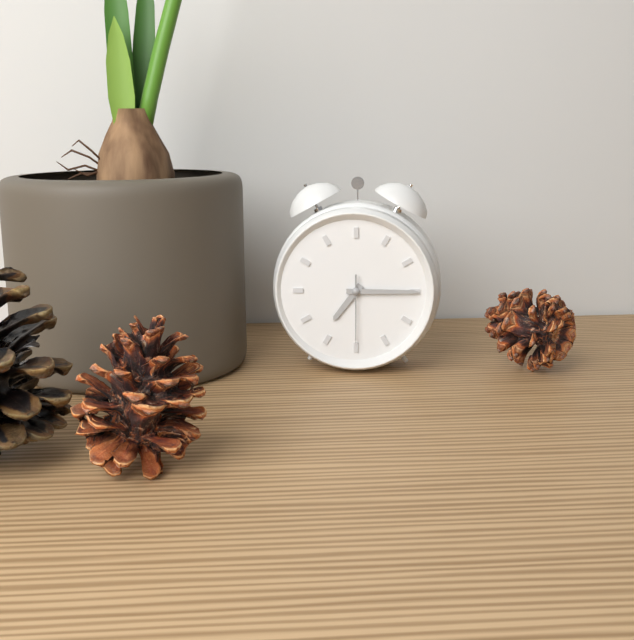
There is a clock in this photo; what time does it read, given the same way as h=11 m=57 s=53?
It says h=7 m=15 s=30
